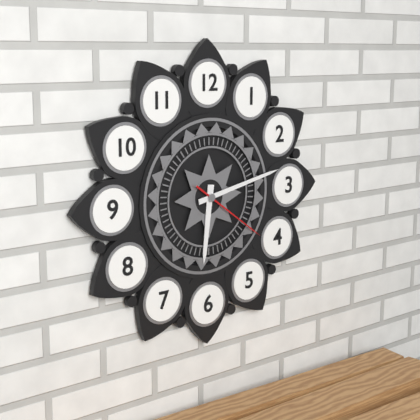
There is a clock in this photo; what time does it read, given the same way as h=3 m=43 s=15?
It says h=6 m=13 s=21
